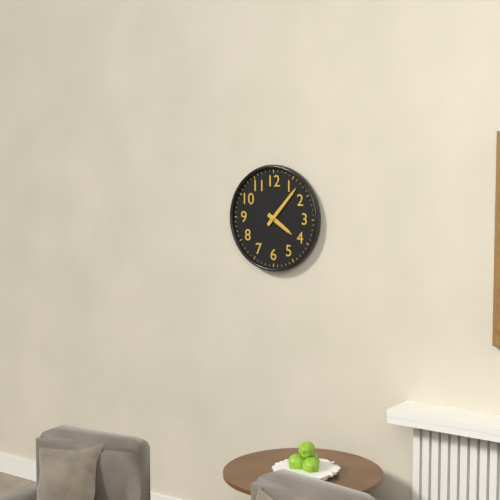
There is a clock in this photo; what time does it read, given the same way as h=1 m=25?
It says h=4 m=7
